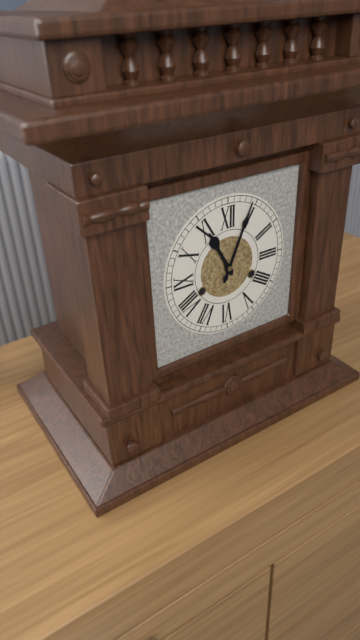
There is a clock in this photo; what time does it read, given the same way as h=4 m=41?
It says h=11 m=4
